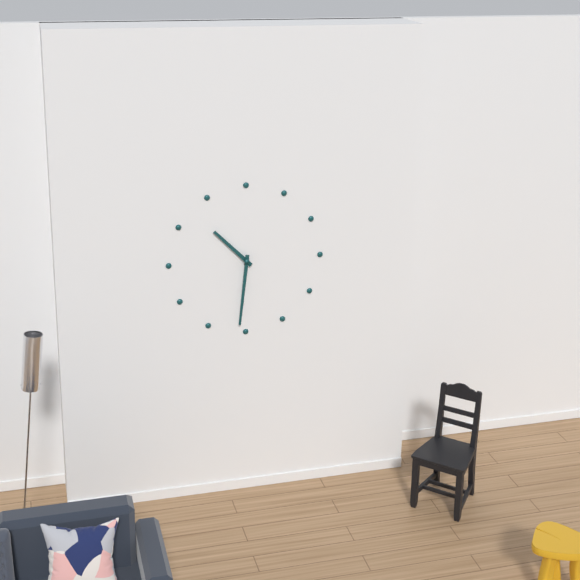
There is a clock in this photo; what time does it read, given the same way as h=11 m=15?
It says h=10 m=31
